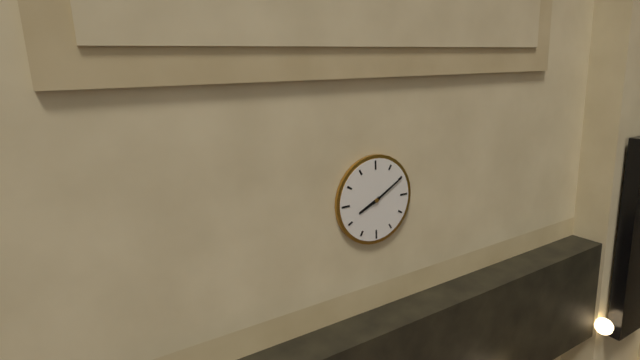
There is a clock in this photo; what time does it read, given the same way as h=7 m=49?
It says h=8 m=10
